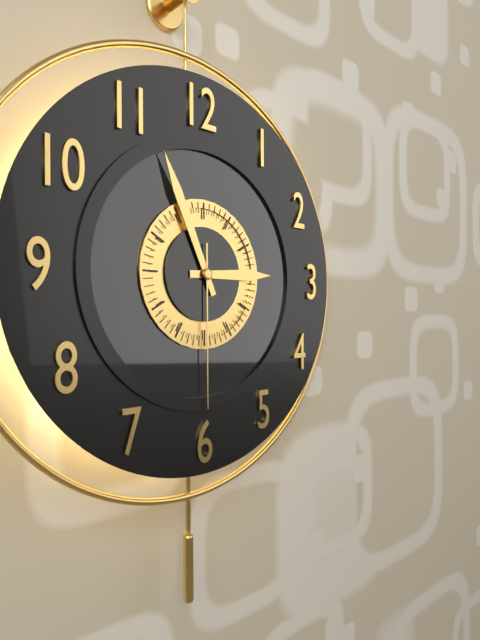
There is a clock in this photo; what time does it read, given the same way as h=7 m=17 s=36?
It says h=2 m=56 s=30
